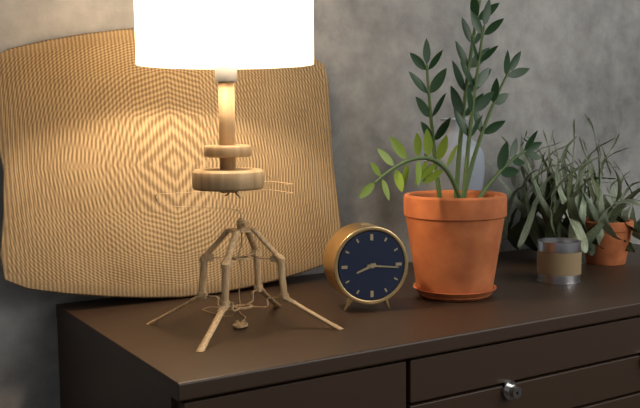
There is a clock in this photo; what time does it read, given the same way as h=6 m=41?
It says h=8 m=16
